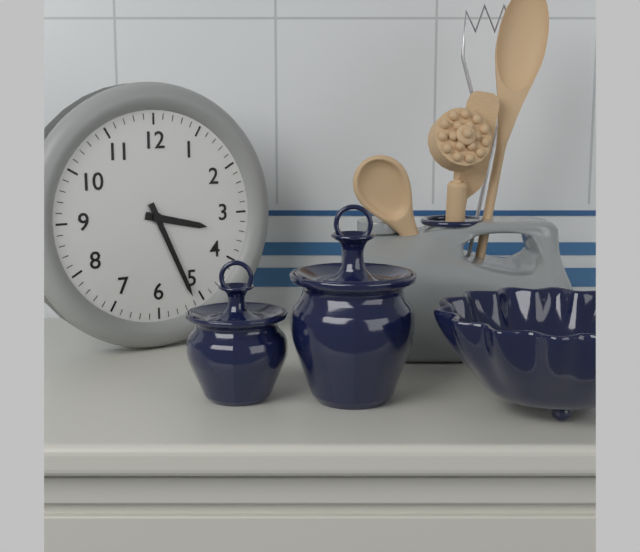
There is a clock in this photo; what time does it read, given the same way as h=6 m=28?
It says h=3 m=26
